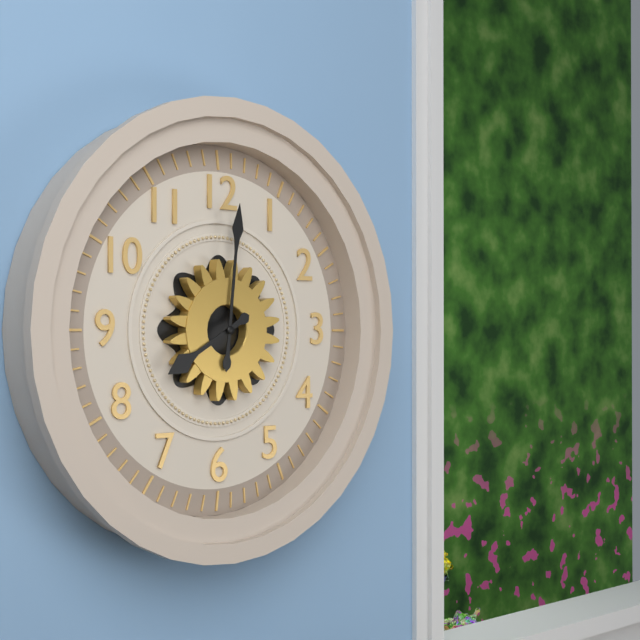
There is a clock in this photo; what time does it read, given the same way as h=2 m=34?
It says h=8 m=1
